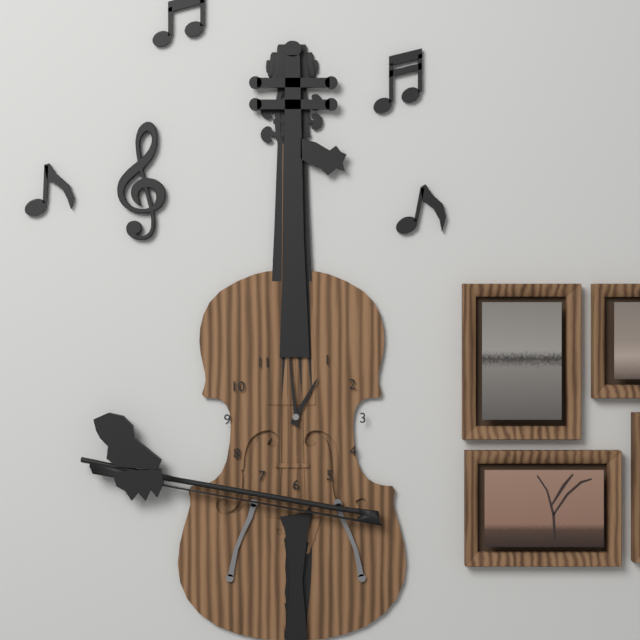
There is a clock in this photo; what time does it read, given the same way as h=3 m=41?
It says h=12 m=59
